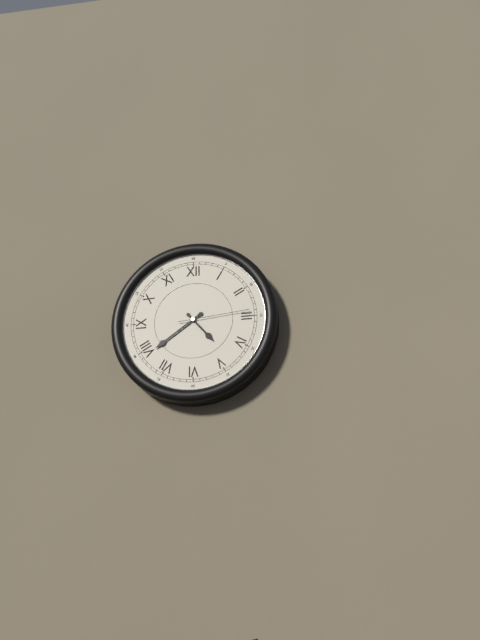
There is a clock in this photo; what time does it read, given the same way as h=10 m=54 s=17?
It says h=4 m=39 s=14
